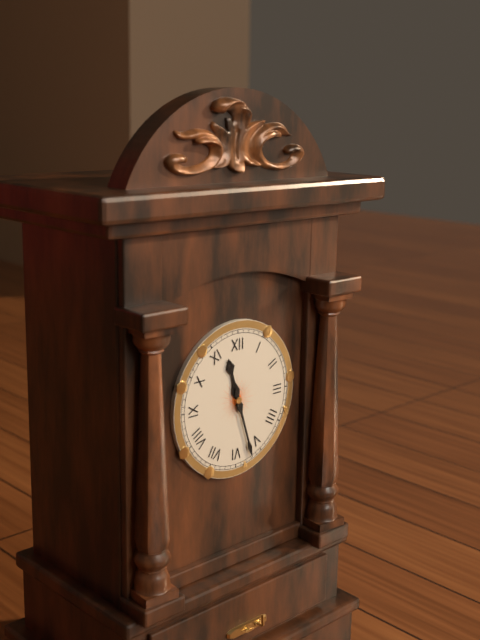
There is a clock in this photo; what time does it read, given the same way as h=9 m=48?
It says h=11 m=27
